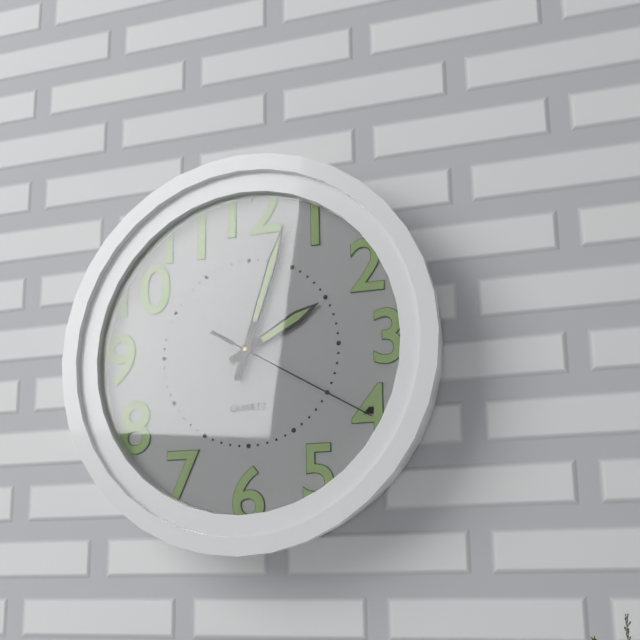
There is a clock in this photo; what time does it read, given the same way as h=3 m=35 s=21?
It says h=2 m=3 s=20
